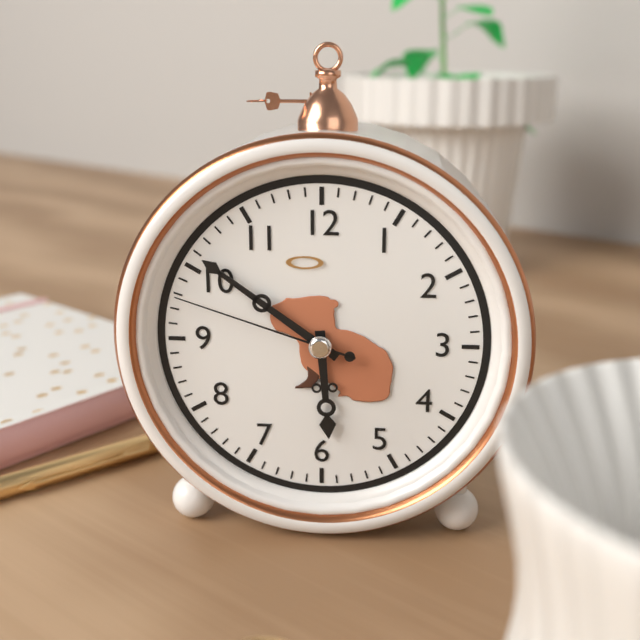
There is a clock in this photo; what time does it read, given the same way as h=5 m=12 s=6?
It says h=5 m=51 s=48
